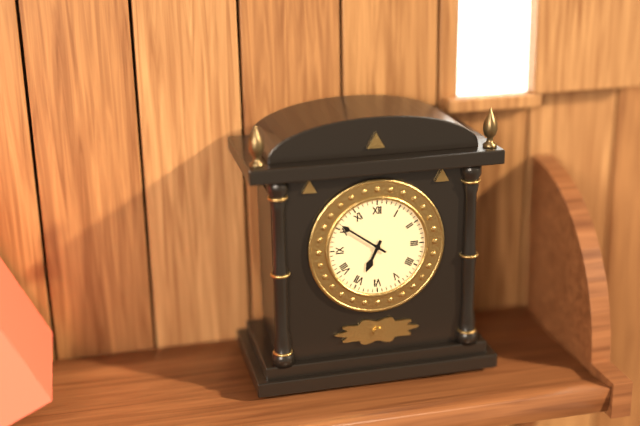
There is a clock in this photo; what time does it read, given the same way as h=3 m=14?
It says h=6 m=51
